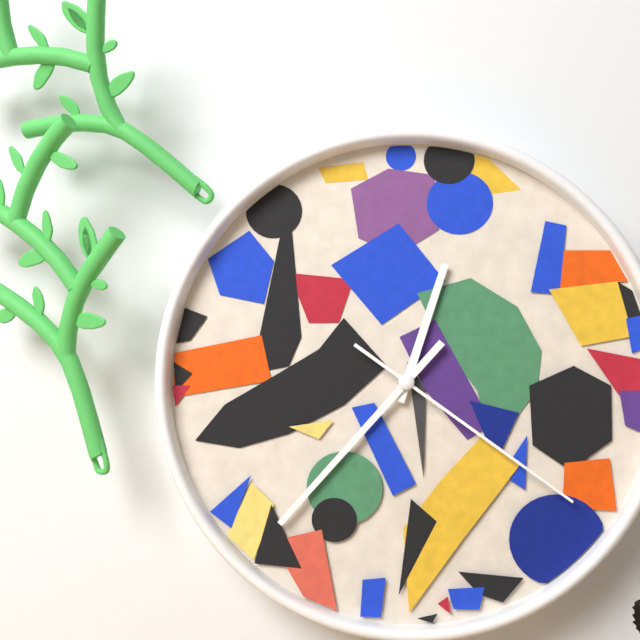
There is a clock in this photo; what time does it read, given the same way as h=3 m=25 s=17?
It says h=12 m=37 s=21
